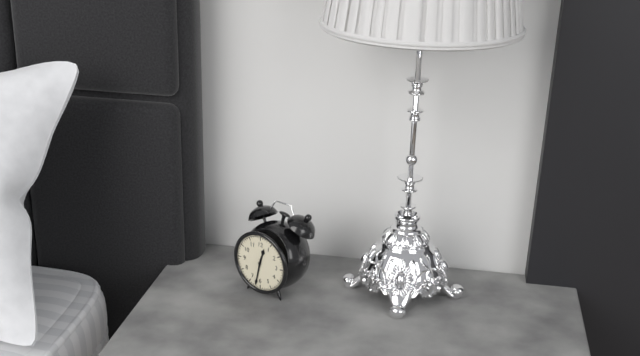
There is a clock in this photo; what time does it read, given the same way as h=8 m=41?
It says h=12 m=32
